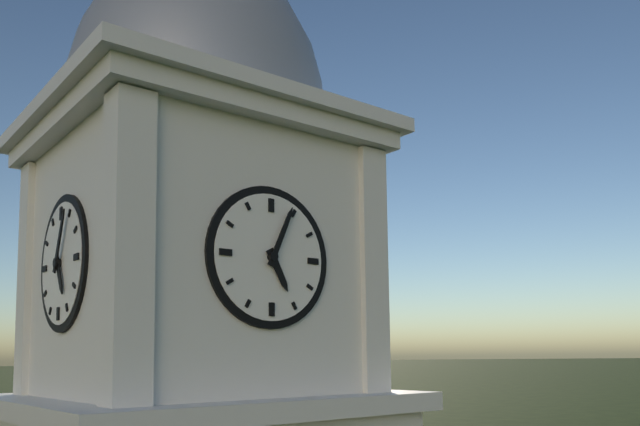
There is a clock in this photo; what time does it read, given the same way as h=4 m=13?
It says h=5 m=4
